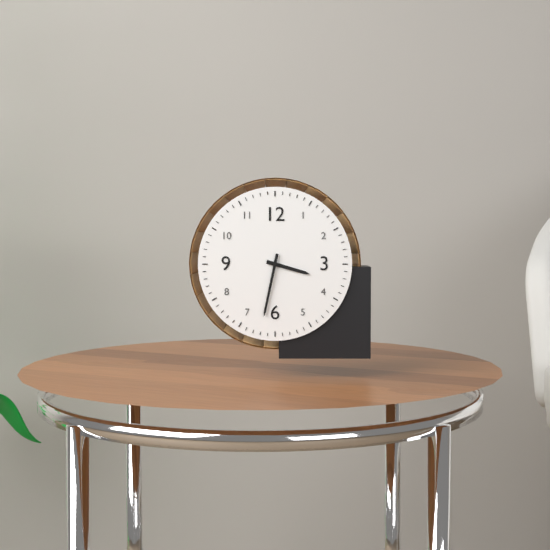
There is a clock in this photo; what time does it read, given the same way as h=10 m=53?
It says h=3 m=32
